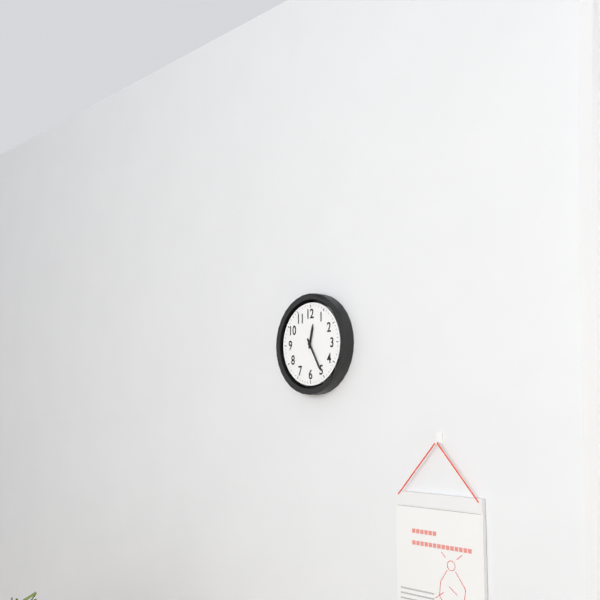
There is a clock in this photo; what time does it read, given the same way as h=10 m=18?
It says h=12 m=25
